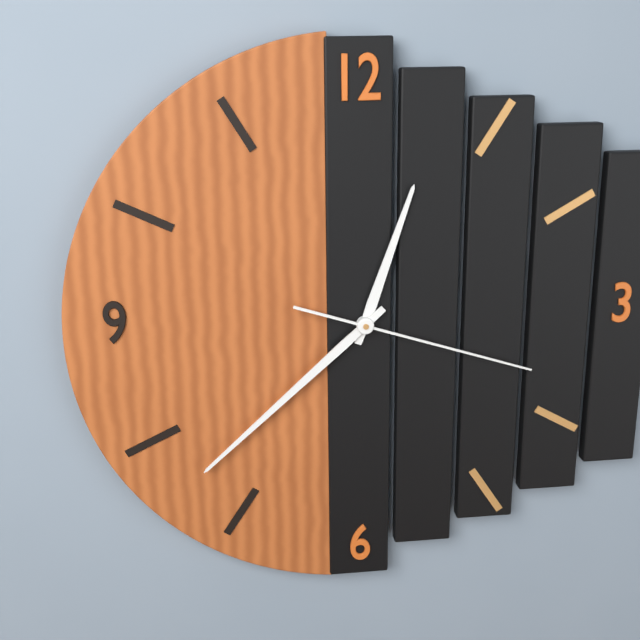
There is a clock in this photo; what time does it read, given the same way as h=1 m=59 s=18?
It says h=12 m=38 s=18
